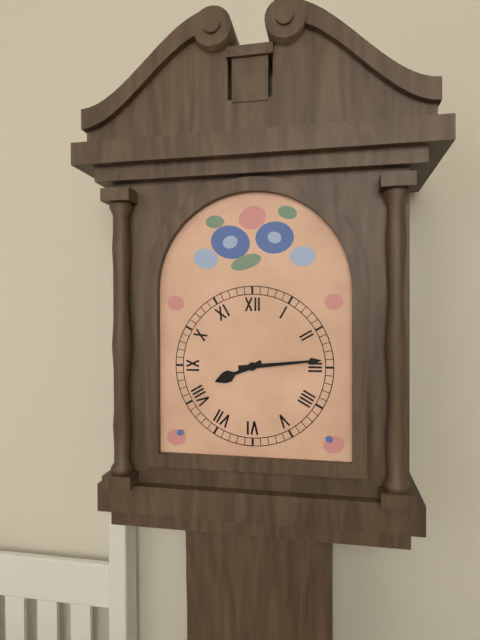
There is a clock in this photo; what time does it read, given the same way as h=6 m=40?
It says h=8 m=14
